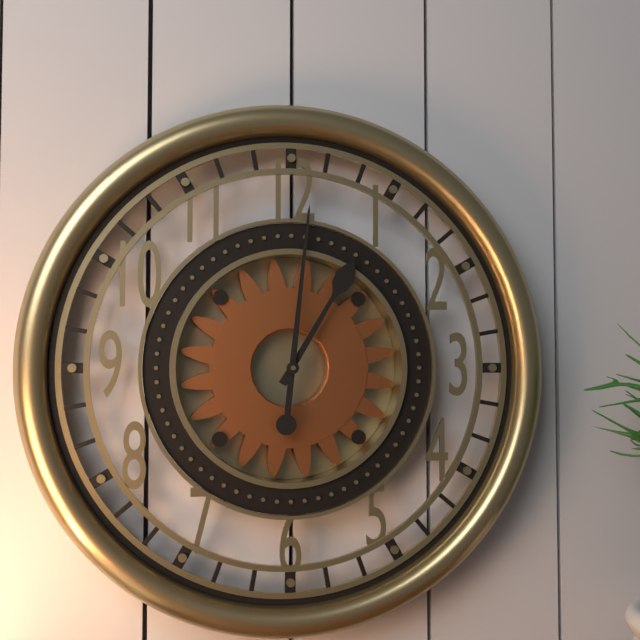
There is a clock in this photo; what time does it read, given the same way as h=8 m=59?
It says h=1 m=1
